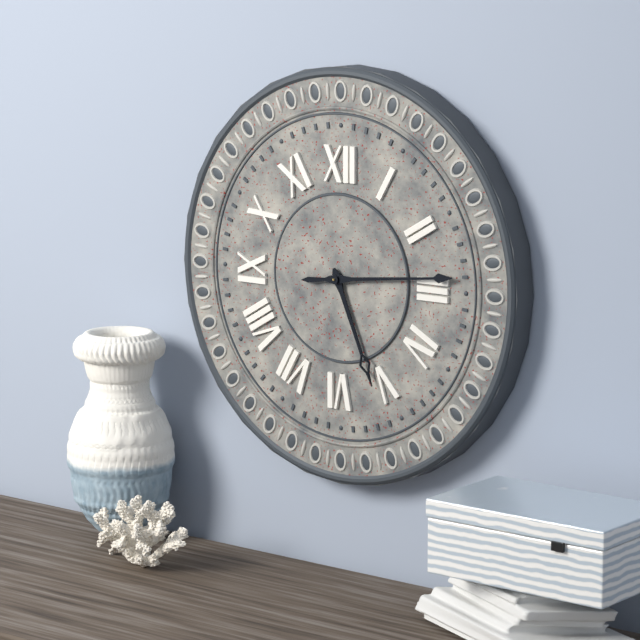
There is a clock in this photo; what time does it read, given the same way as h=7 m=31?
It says h=5 m=14
